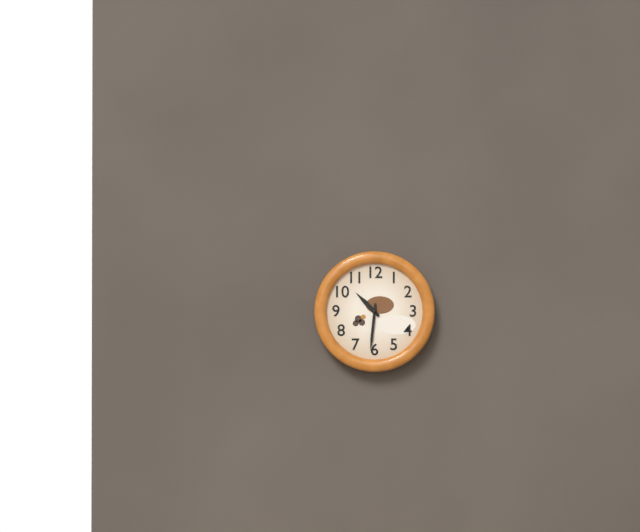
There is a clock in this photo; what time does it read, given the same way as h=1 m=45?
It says h=10 m=31
